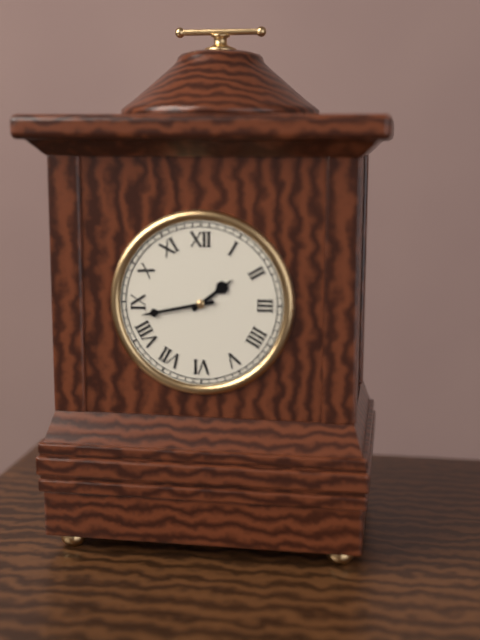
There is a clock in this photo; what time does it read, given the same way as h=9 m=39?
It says h=1 m=43
